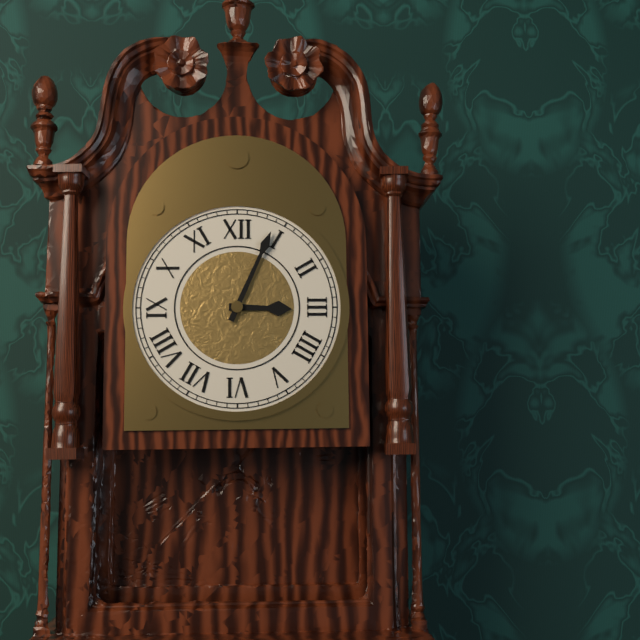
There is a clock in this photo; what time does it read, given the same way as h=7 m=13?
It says h=3 m=4
